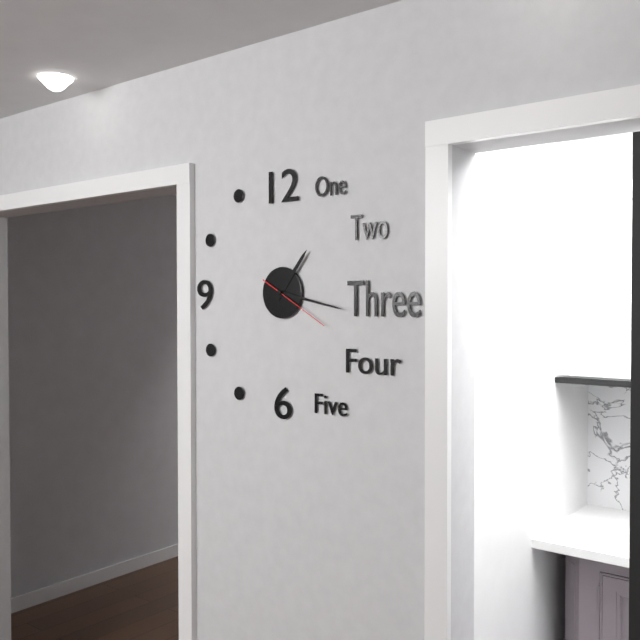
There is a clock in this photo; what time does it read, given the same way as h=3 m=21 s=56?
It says h=1 m=17 s=20
